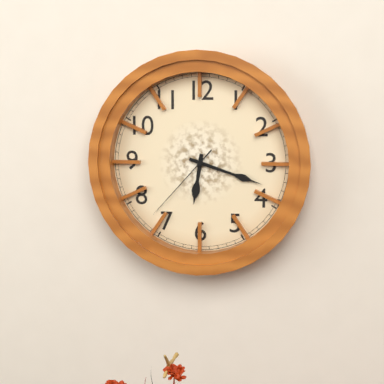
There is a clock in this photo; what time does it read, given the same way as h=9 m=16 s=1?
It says h=6 m=18 s=37
